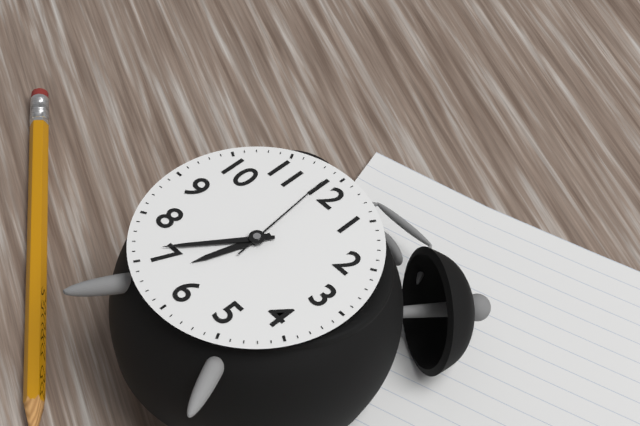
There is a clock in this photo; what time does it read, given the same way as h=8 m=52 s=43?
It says h=6 m=36 s=59
